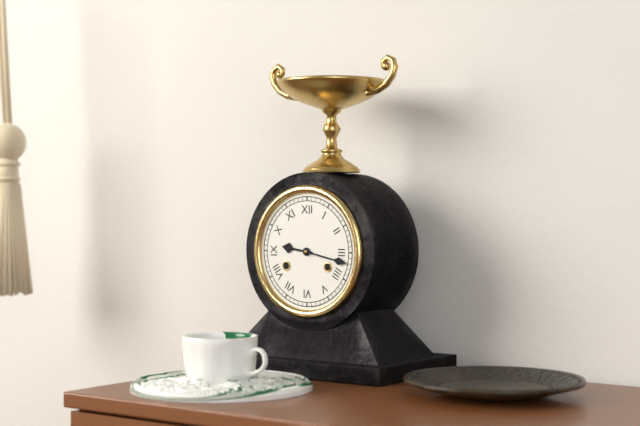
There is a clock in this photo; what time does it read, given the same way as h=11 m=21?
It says h=9 m=17
